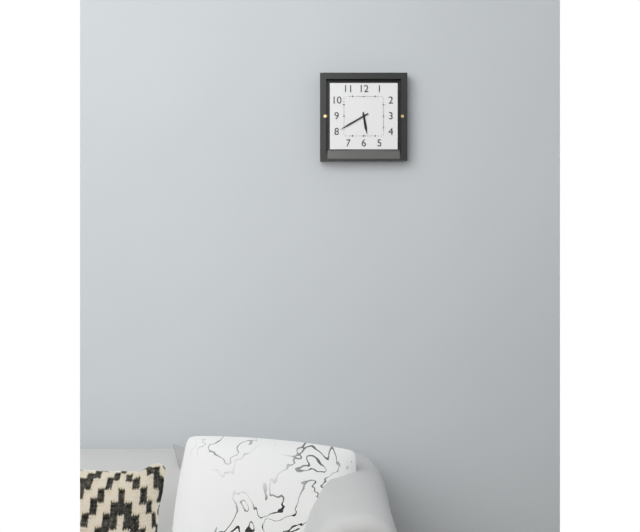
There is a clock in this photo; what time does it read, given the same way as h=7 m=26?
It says h=5 m=40
